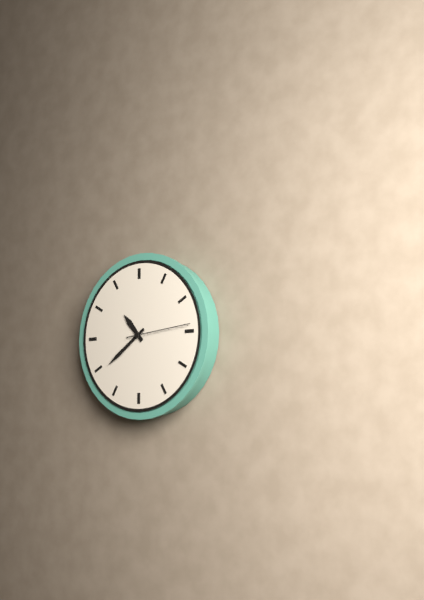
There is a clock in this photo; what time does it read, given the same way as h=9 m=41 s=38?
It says h=10 m=39 s=14
